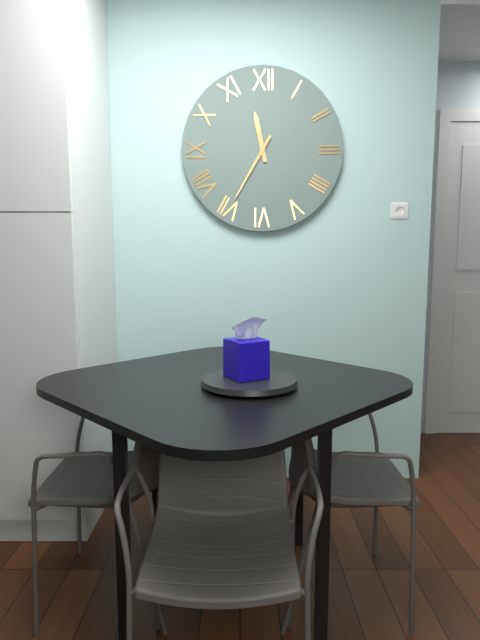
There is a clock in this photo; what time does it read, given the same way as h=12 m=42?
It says h=11 m=35
